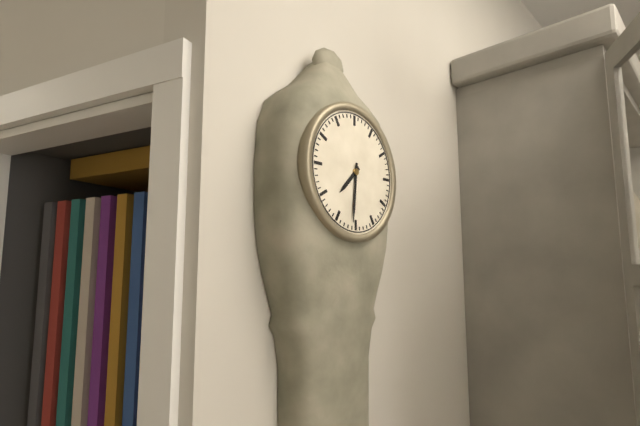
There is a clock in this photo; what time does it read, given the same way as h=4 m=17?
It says h=7 m=31
